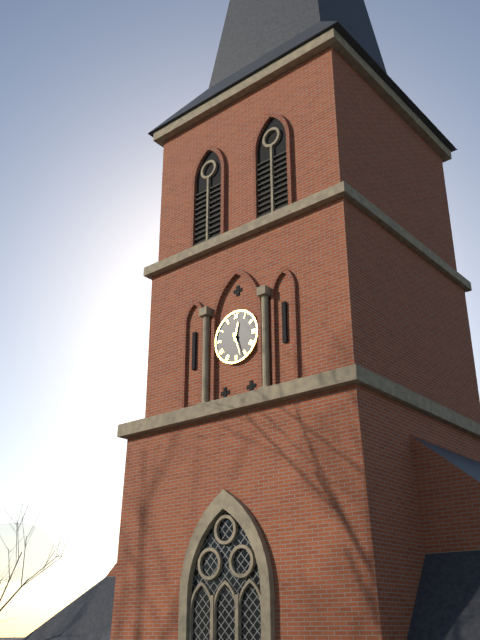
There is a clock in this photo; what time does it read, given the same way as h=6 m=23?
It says h=12 m=27
